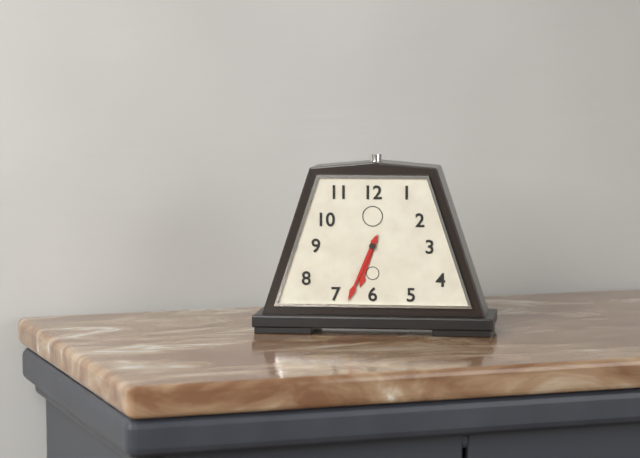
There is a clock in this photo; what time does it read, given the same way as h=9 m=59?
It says h=6 m=34
